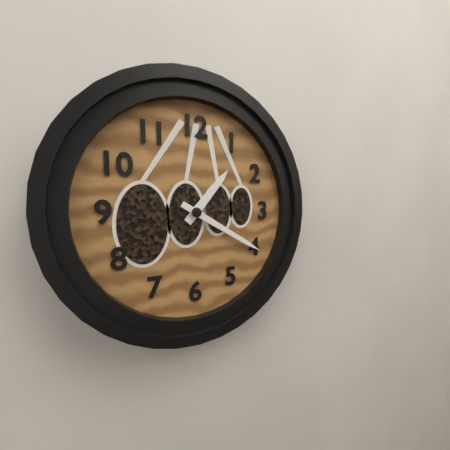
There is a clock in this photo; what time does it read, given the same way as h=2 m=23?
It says h=1 m=20
